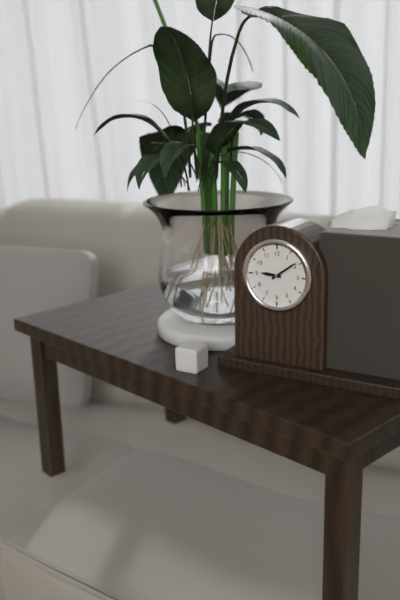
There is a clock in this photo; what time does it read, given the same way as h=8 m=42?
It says h=9 m=9
